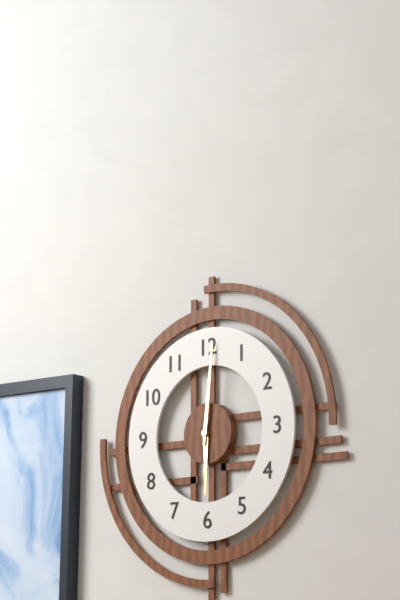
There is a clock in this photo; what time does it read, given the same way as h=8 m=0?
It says h=6 m=1
